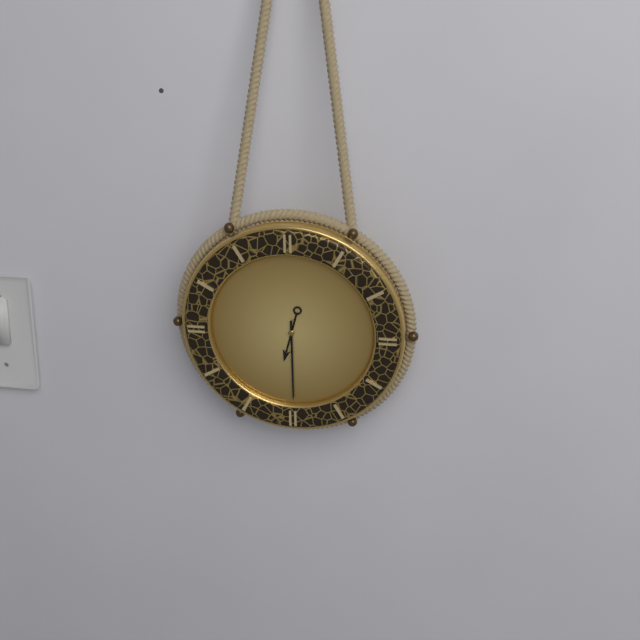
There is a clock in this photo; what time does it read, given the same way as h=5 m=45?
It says h=6 m=30
